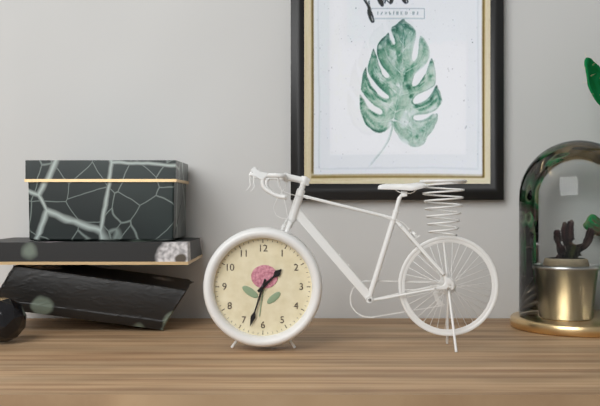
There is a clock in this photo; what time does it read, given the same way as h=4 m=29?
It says h=1 m=33
